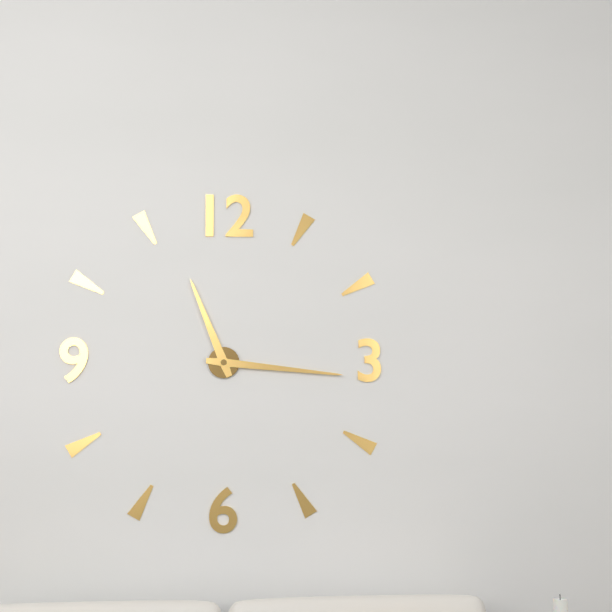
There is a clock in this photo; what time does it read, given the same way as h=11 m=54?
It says h=11 m=16
